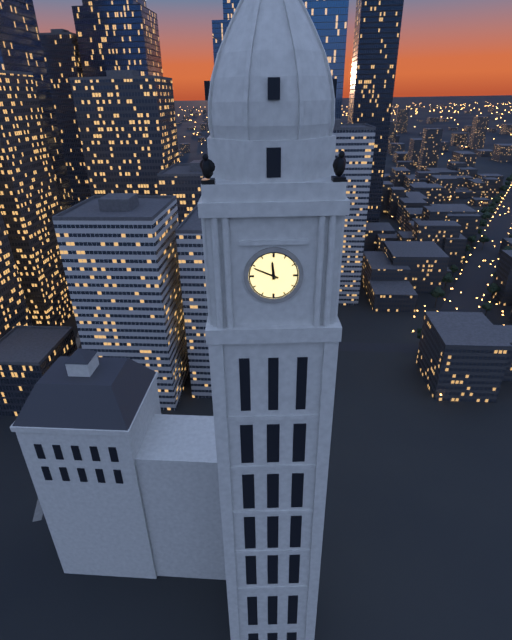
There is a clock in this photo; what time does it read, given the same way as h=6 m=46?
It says h=11 m=49
